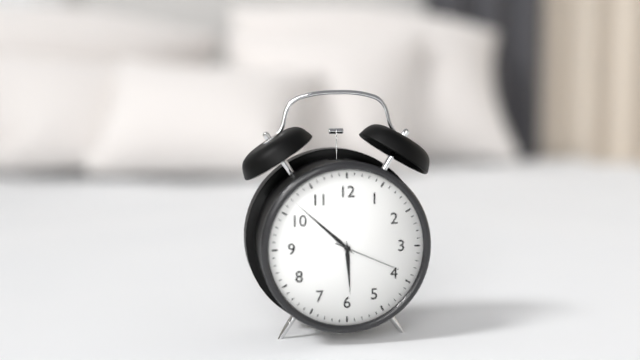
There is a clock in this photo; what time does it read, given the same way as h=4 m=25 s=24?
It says h=5 m=52 s=19
